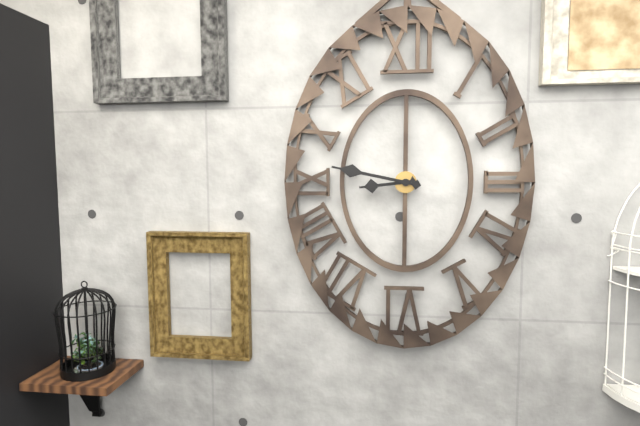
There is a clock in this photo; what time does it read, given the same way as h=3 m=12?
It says h=8 m=47
